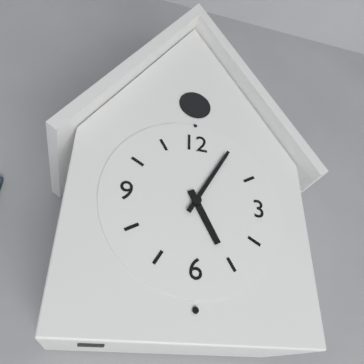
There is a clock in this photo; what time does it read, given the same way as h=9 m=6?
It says h=5 m=5
